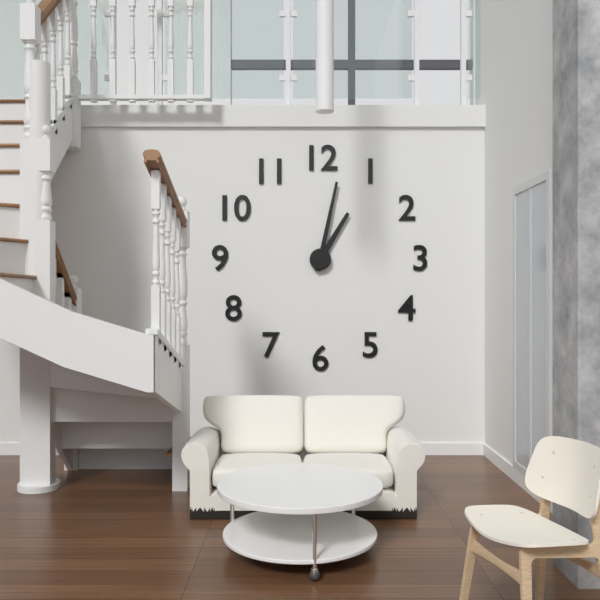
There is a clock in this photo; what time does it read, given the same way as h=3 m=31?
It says h=1 m=2
